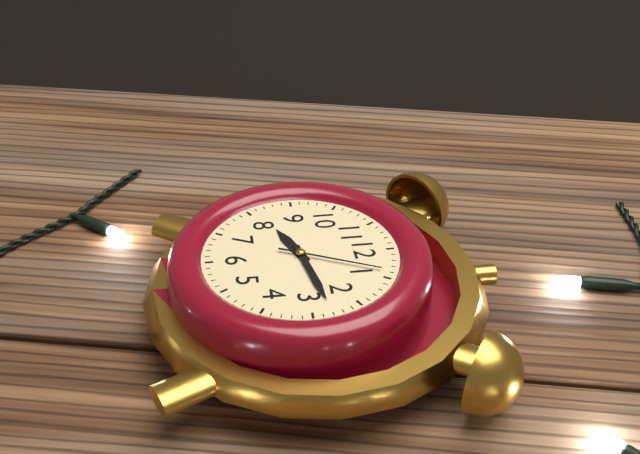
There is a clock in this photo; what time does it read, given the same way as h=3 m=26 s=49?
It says h=8 m=13 s=4
